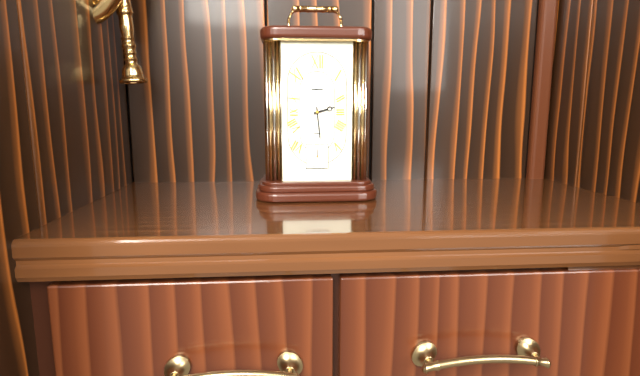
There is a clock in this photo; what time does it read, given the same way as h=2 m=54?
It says h=2 m=29
